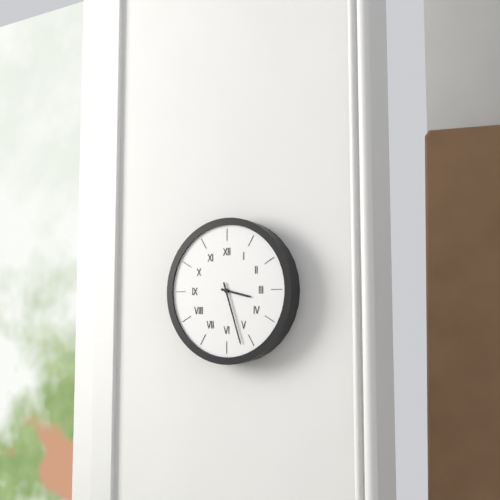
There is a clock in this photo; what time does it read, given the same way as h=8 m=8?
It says h=3 m=27
